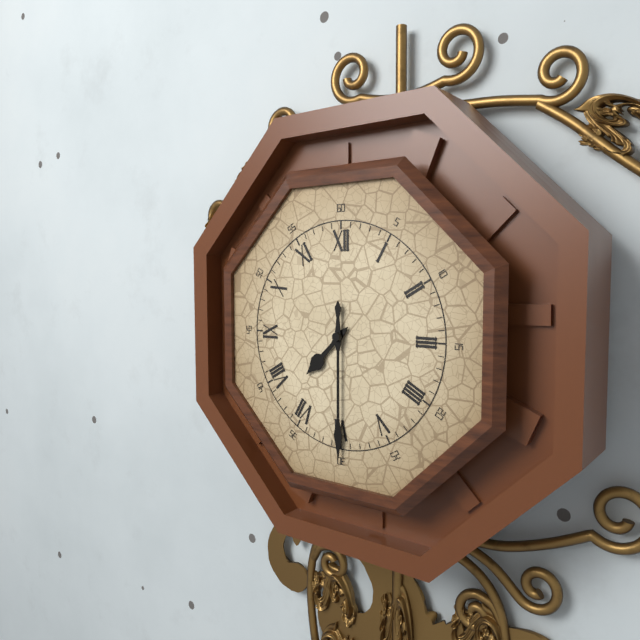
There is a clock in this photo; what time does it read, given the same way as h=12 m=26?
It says h=7 m=30
